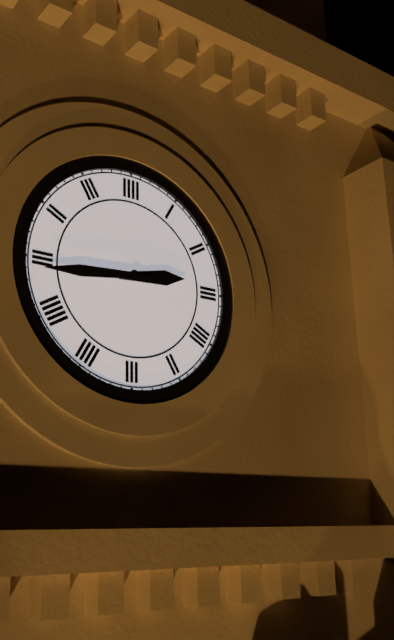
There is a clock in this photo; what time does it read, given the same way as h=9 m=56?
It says h=2 m=44
